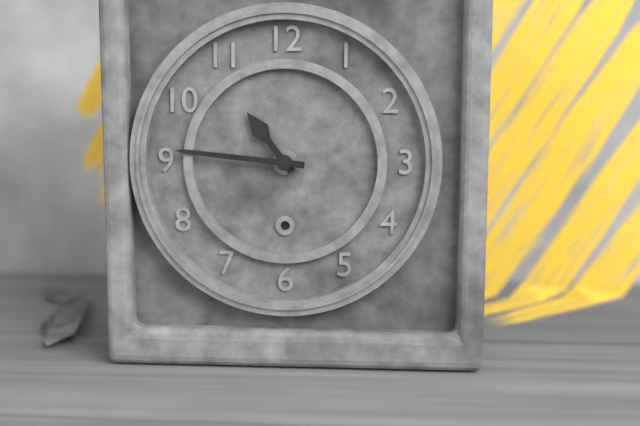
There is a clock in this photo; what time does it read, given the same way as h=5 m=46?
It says h=10 m=46
